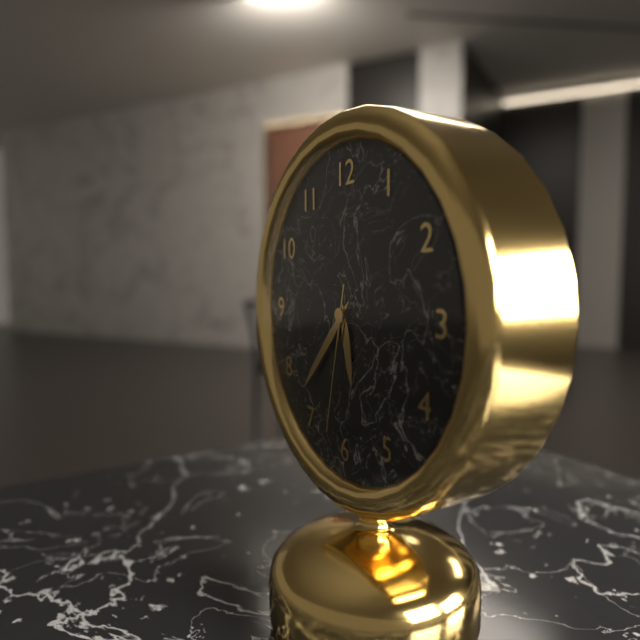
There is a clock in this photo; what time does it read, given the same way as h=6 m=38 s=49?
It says h=5 m=37 s=32
